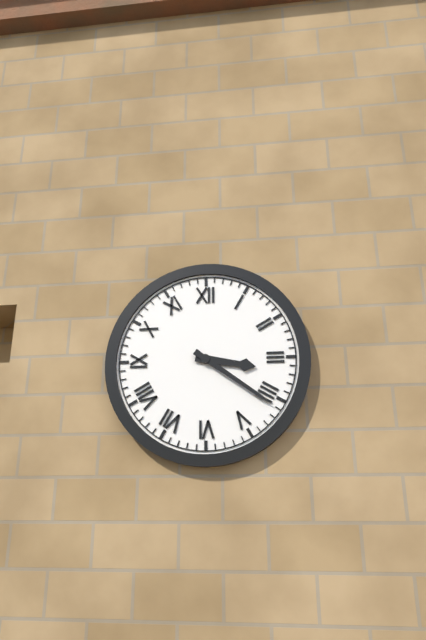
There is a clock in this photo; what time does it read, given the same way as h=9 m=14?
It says h=3 m=21
